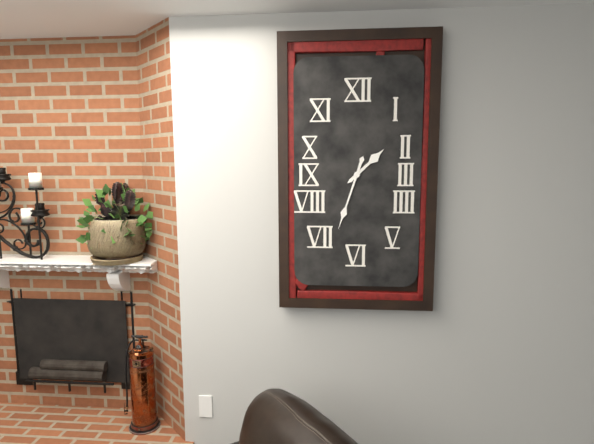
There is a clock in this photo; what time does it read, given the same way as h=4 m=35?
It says h=1 m=33
